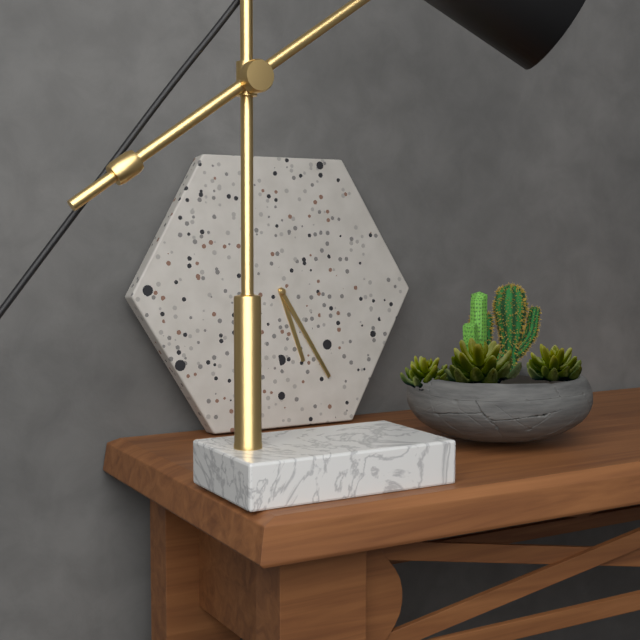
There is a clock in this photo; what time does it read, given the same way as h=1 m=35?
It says h=5 m=25
